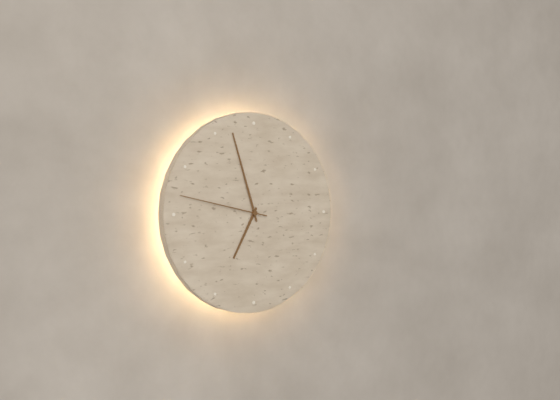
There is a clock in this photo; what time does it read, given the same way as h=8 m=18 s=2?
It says h=6 m=57 s=47
